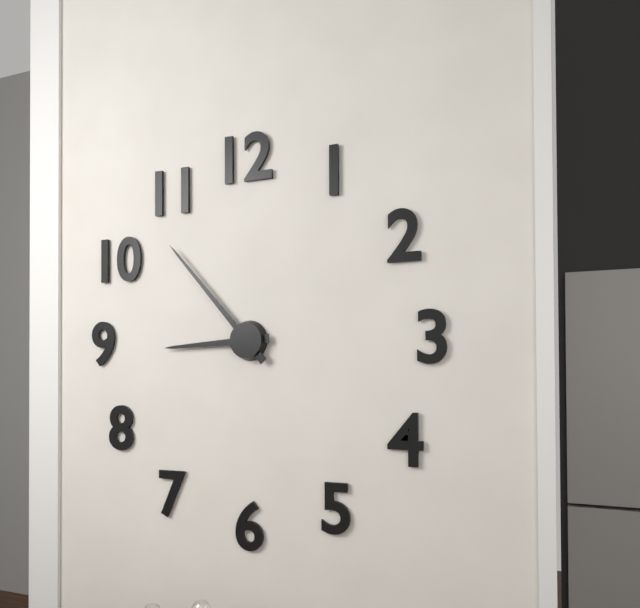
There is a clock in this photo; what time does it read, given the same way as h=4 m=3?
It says h=8 m=53
